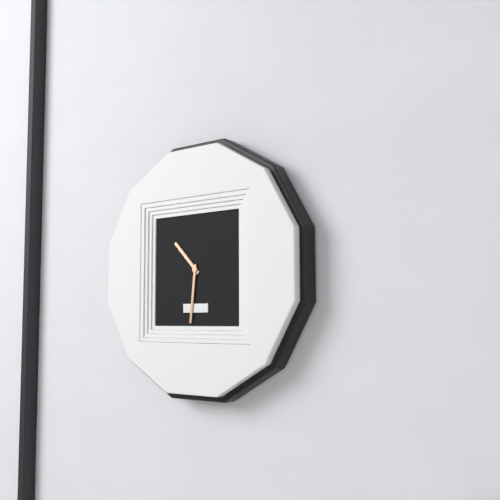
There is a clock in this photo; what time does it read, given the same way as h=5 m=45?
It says h=10 m=31
